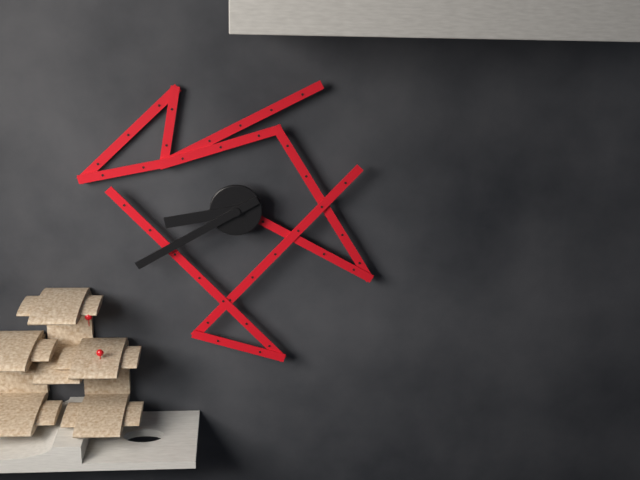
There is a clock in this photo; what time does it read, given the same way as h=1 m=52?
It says h=8 m=40
